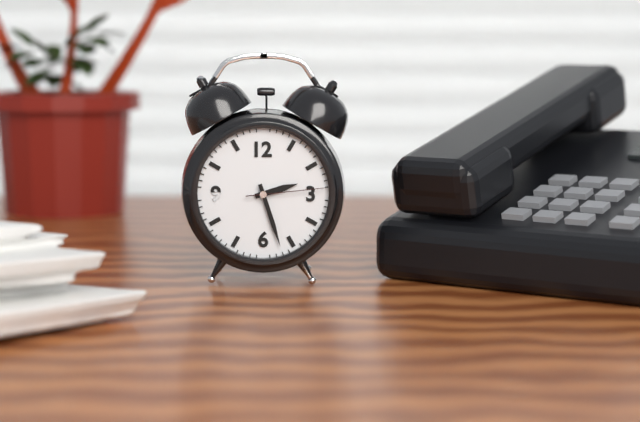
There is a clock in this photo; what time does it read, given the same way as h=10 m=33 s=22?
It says h=2 m=27 s=14
